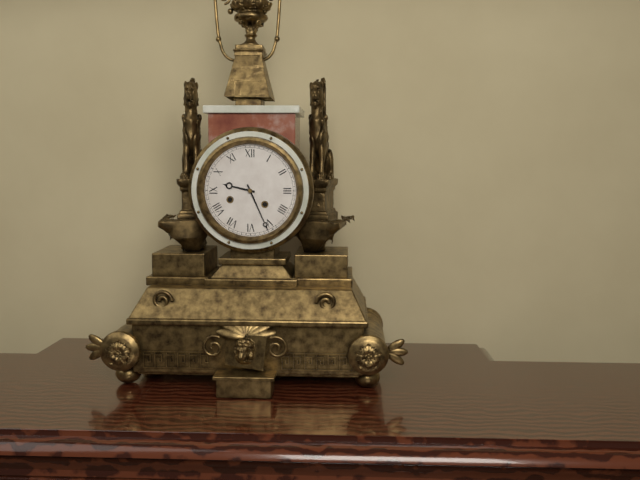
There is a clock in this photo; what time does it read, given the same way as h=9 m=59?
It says h=9 m=26
